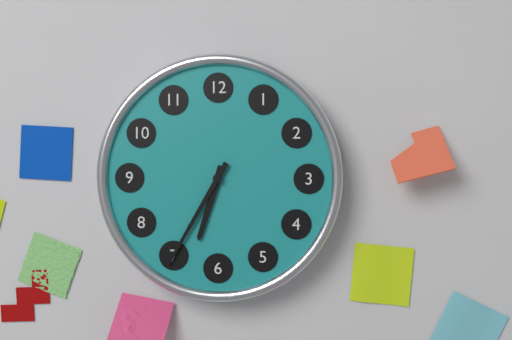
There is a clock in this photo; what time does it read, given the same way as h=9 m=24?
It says h=6 m=35
